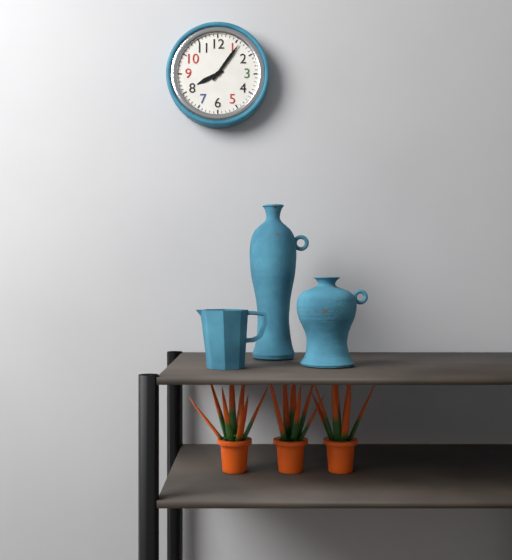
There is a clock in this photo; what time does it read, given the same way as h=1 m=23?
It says h=8 m=6
